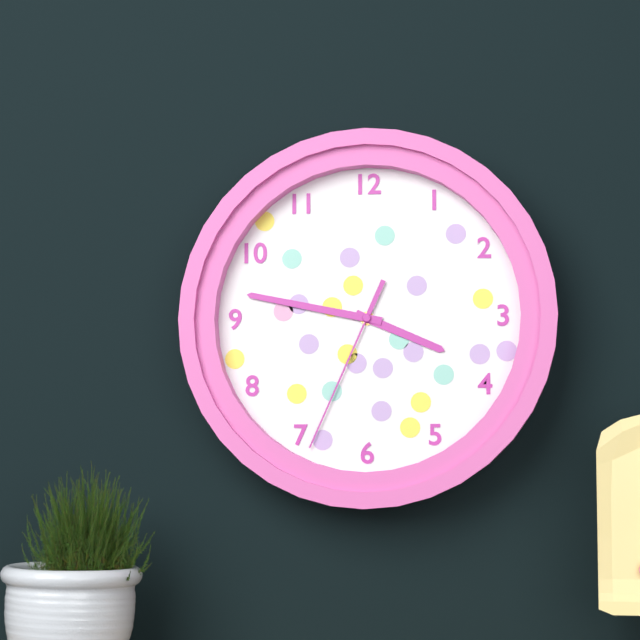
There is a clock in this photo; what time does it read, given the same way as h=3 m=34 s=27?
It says h=3 m=47 s=34
